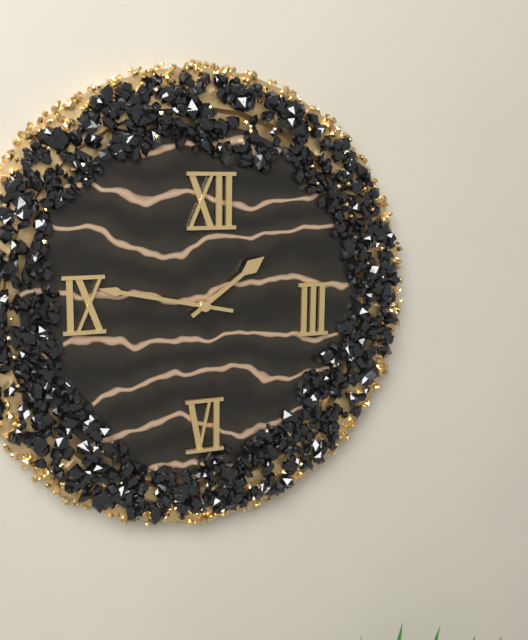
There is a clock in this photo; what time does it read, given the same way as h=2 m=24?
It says h=1 m=47
